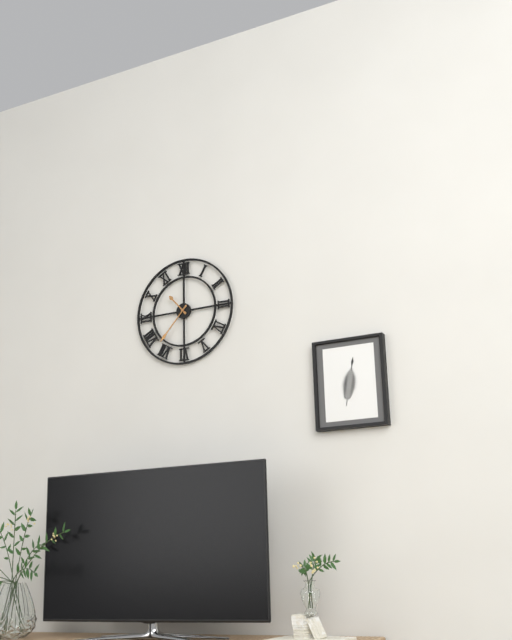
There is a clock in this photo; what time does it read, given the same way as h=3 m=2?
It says h=10 m=37
